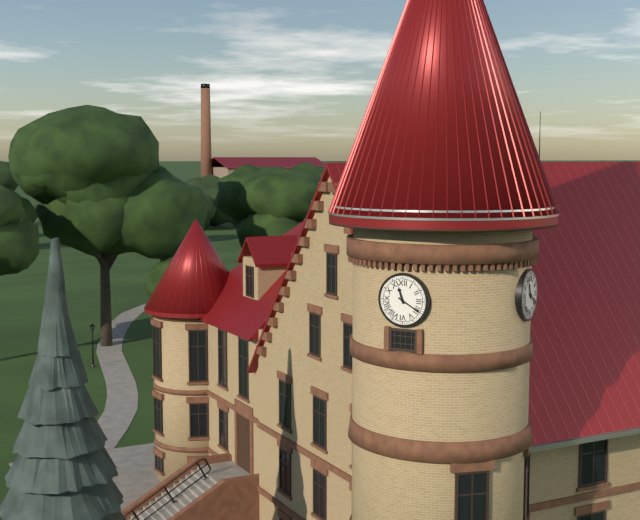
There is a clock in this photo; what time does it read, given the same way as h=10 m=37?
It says h=11 m=20
